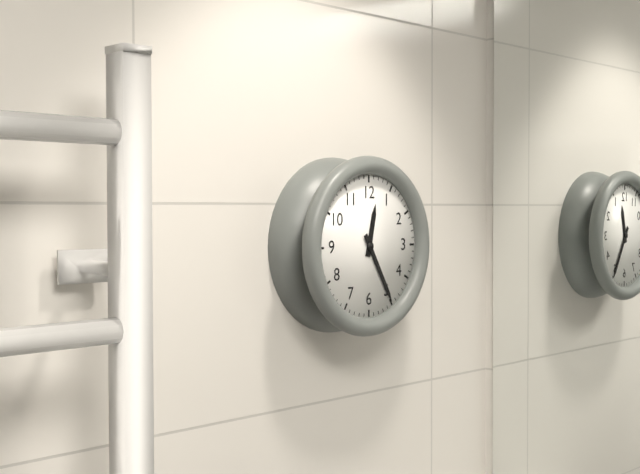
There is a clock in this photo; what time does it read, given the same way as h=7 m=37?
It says h=12 m=25
